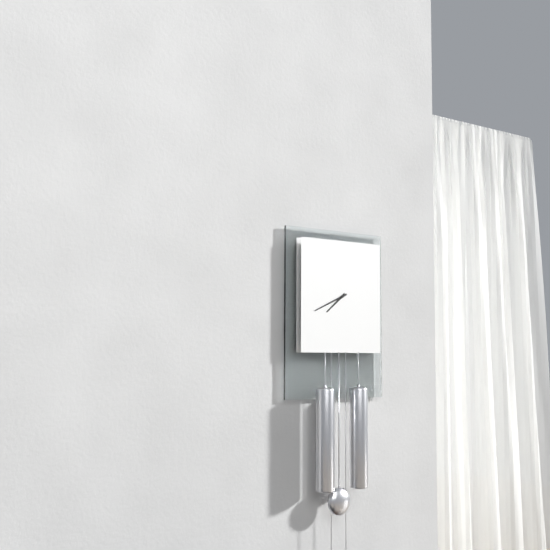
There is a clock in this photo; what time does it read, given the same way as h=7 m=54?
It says h=7 m=41
